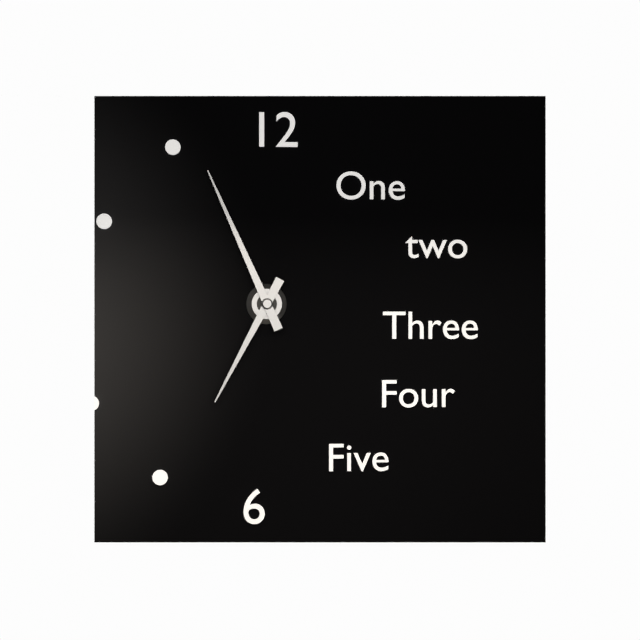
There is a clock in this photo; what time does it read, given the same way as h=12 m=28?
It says h=6 m=56
